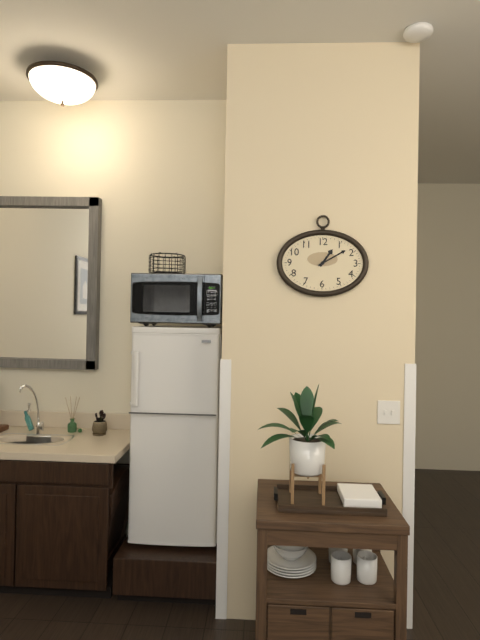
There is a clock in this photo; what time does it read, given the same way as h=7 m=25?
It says h=1 m=10
